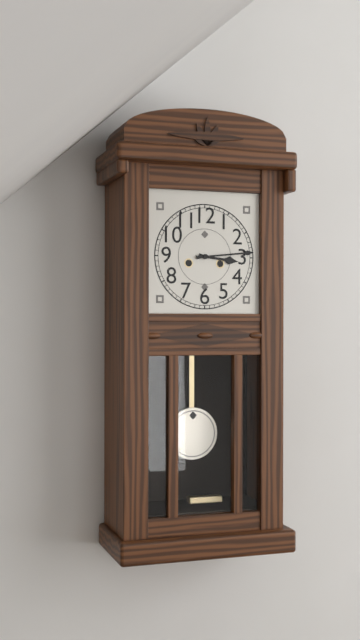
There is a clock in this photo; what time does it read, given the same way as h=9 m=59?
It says h=3 m=14
